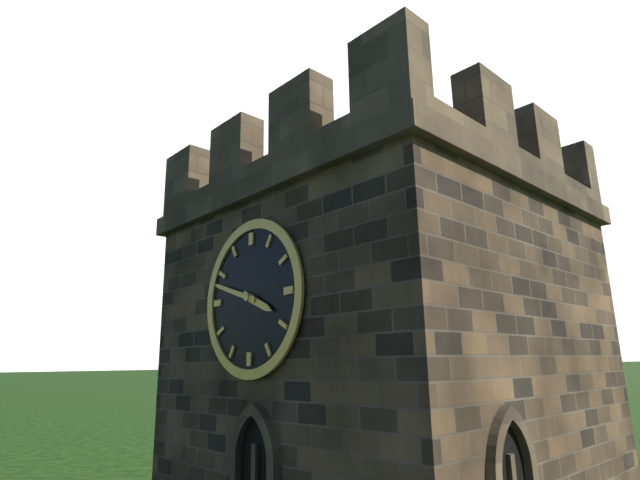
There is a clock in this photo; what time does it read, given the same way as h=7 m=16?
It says h=3 m=48
